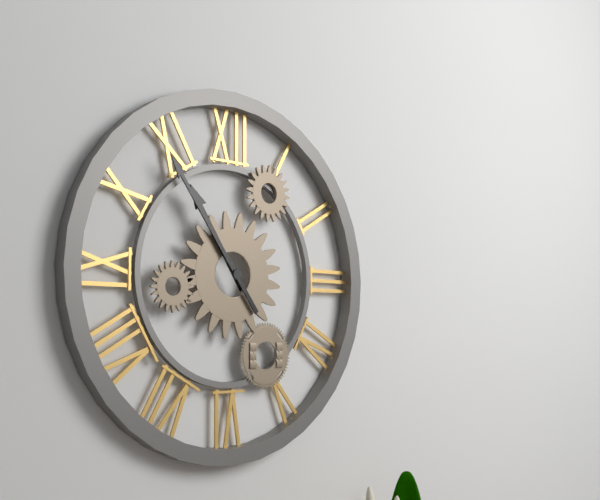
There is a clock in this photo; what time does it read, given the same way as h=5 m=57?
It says h=10 m=54
